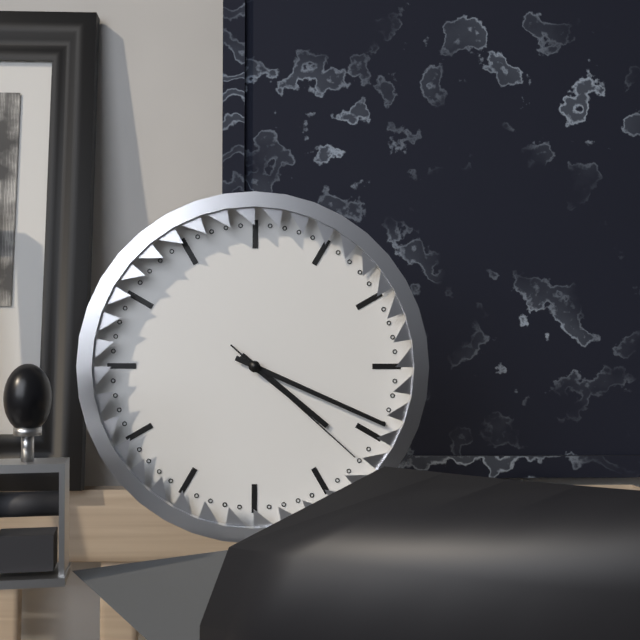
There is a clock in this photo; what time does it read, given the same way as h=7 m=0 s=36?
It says h=4 m=19 s=22
